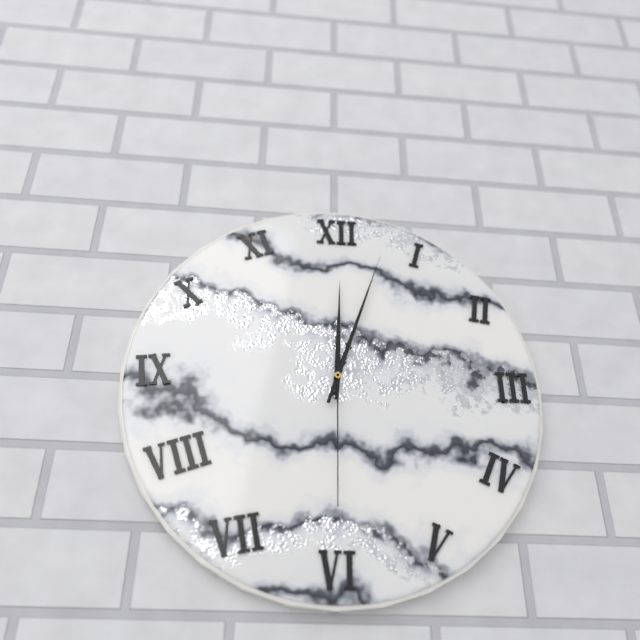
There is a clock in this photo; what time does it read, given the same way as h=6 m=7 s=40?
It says h=12 m=3 s=30
